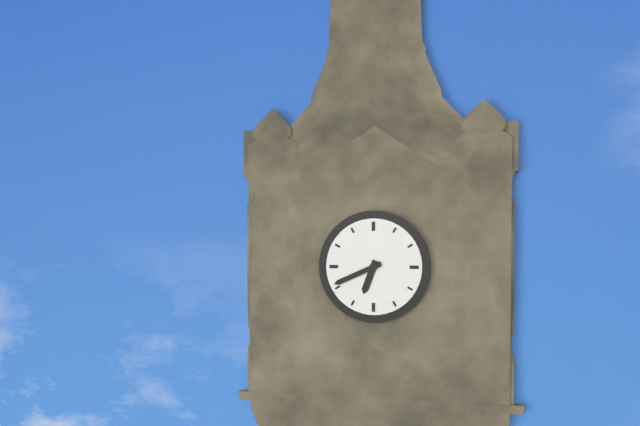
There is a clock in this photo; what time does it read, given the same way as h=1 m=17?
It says h=6 m=41
